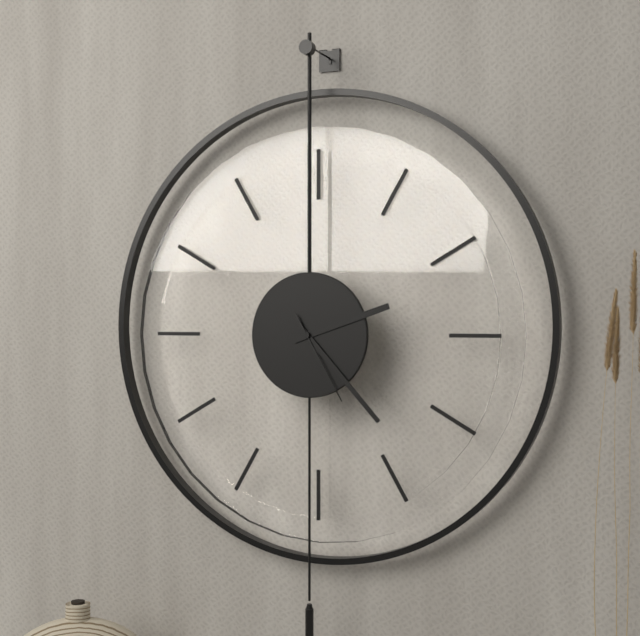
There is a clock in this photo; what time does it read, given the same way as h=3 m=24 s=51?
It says h=2 m=23 s=25
